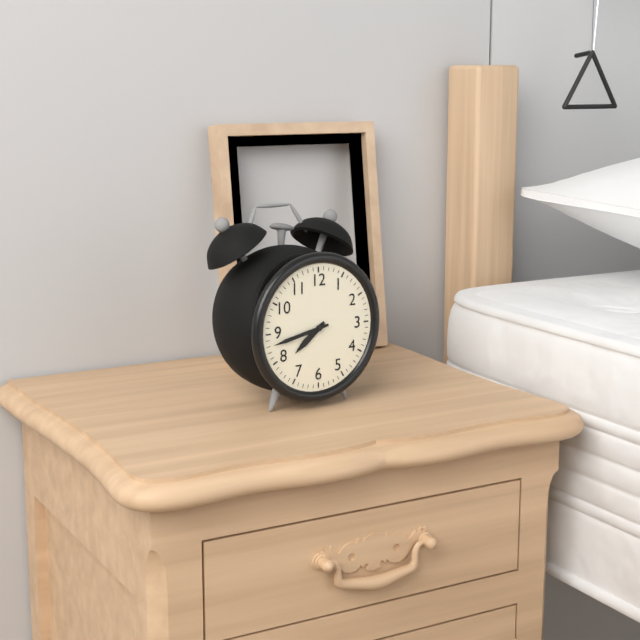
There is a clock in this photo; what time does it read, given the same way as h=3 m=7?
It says h=7 m=43
